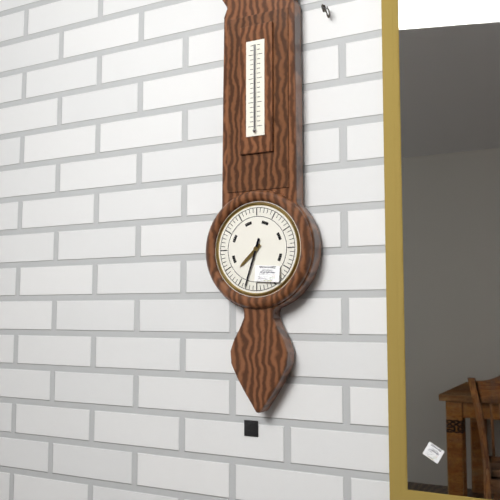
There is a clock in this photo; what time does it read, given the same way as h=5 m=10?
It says h=7 m=33
